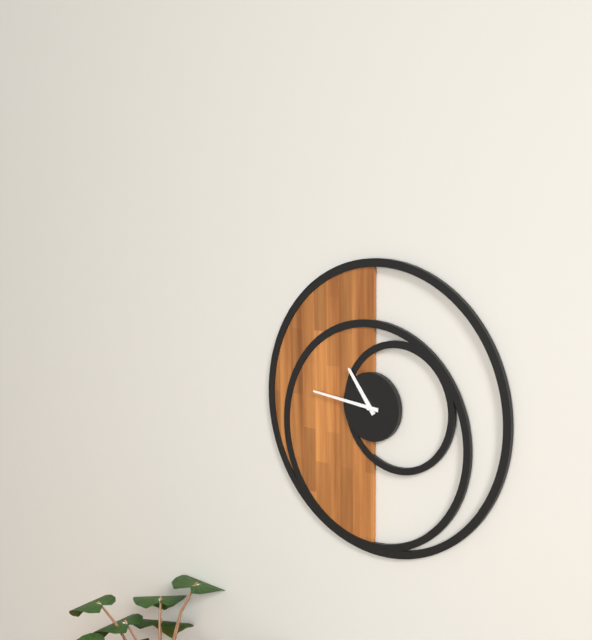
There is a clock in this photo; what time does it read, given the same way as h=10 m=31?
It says h=10 m=46
